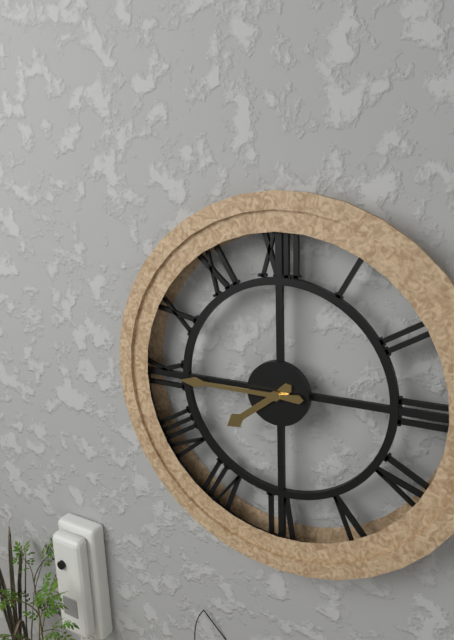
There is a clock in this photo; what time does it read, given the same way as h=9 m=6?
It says h=7 m=45
